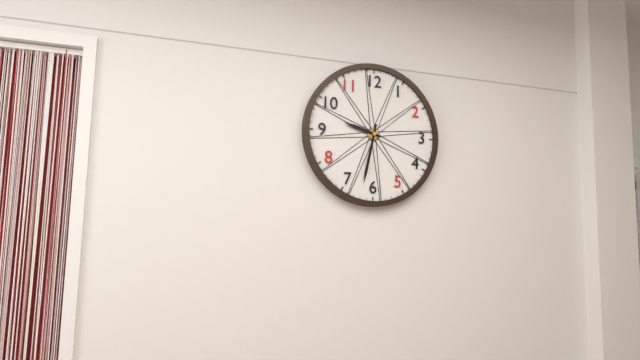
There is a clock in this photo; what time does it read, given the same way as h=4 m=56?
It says h=9 m=32
